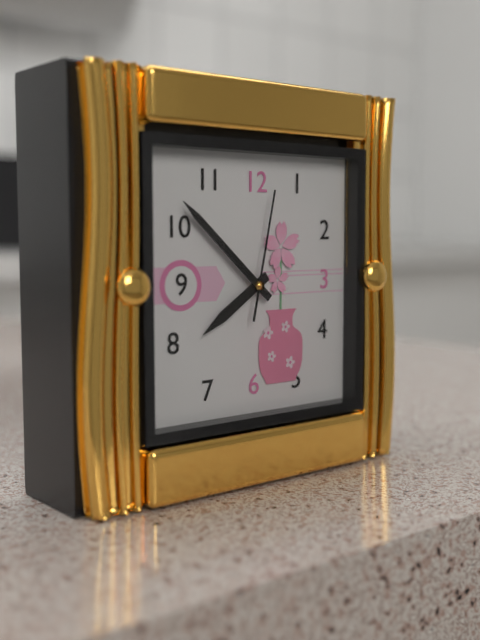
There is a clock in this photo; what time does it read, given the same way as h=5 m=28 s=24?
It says h=7 m=52 s=2
